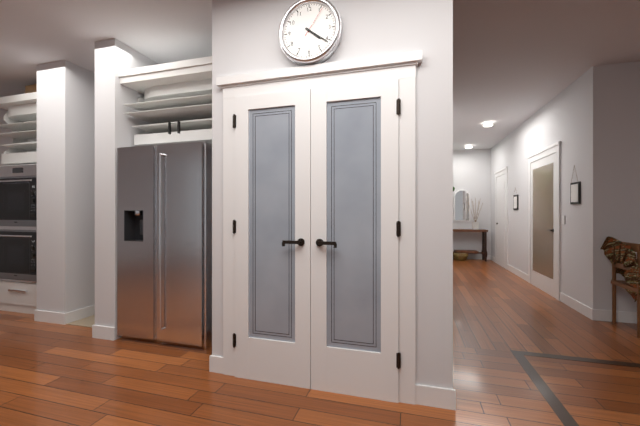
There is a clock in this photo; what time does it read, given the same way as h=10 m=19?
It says h=4 m=21
